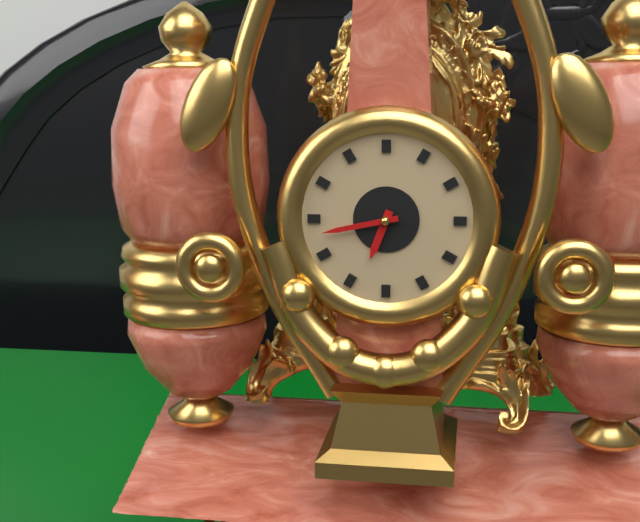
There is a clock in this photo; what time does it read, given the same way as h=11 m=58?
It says h=6 m=43
